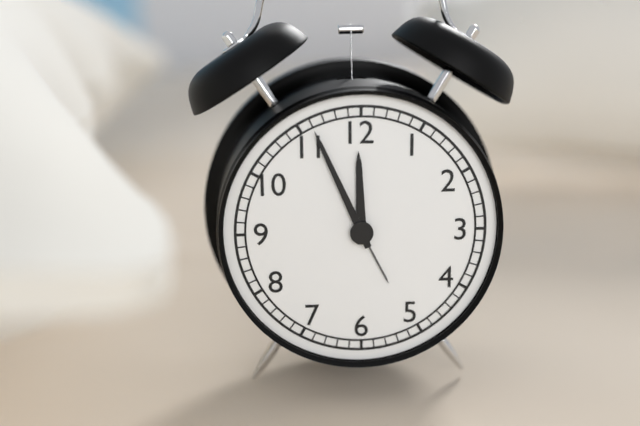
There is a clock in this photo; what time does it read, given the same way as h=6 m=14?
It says h=11 m=56
